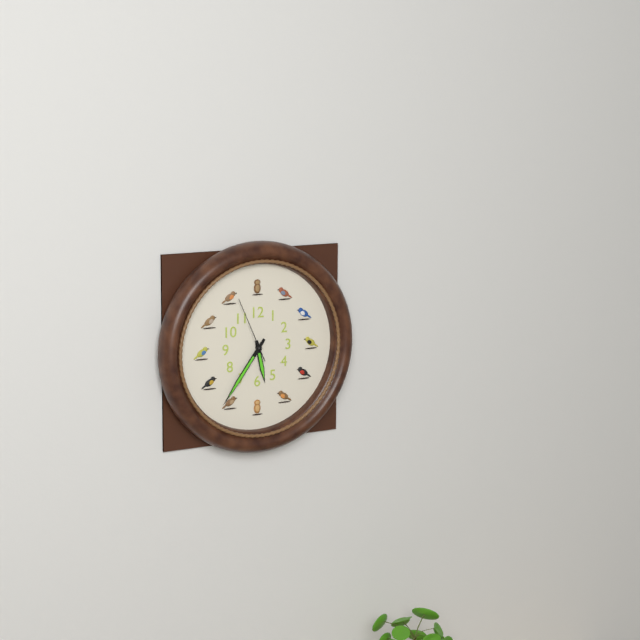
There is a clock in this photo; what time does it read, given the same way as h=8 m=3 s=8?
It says h=5 m=36 s=56
